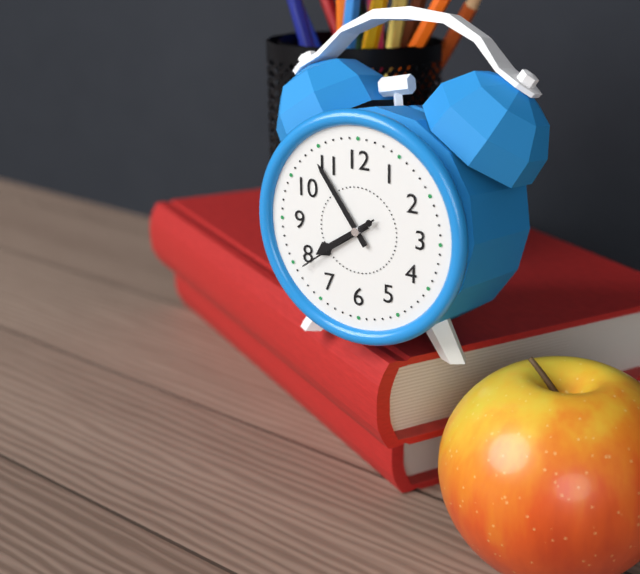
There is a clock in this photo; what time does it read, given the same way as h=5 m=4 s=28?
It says h=7 m=54 s=39
